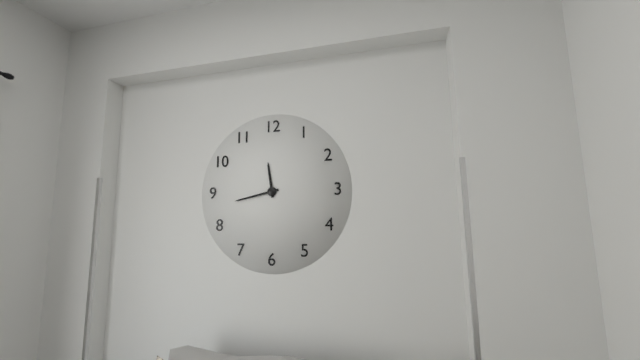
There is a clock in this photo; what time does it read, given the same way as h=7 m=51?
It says h=11 m=43
